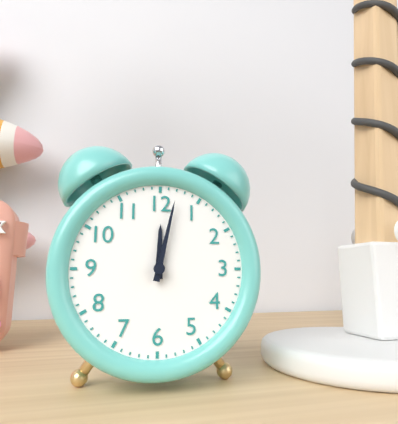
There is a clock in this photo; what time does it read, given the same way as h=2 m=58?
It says h=12 m=2
